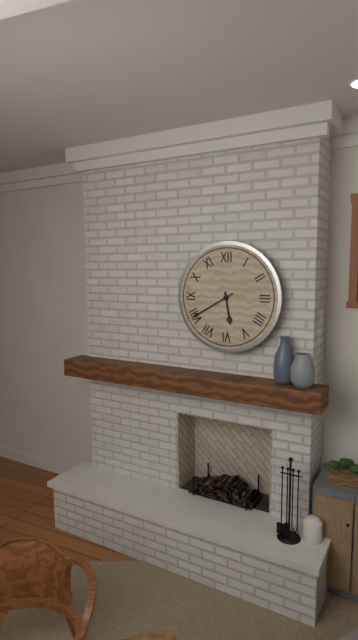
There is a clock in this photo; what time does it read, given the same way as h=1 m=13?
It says h=5 m=40
